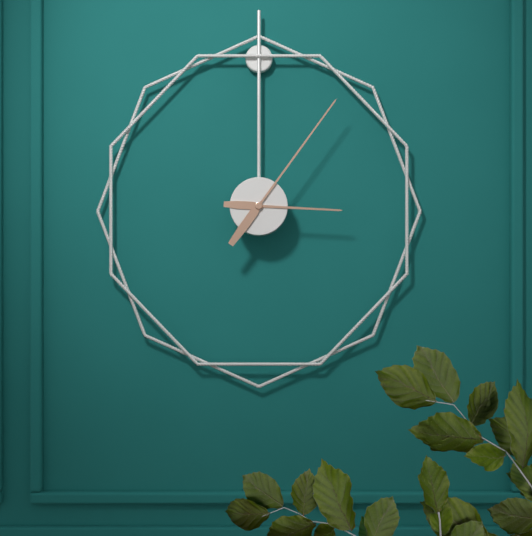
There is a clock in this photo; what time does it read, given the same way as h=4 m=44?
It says h=3 m=6
